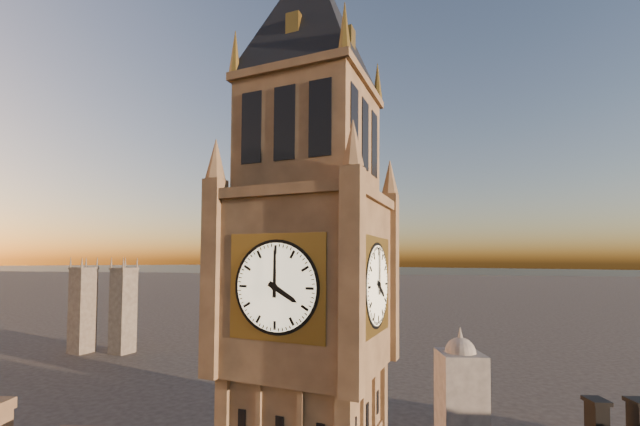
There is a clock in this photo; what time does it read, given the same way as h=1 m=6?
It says h=4 m=0
